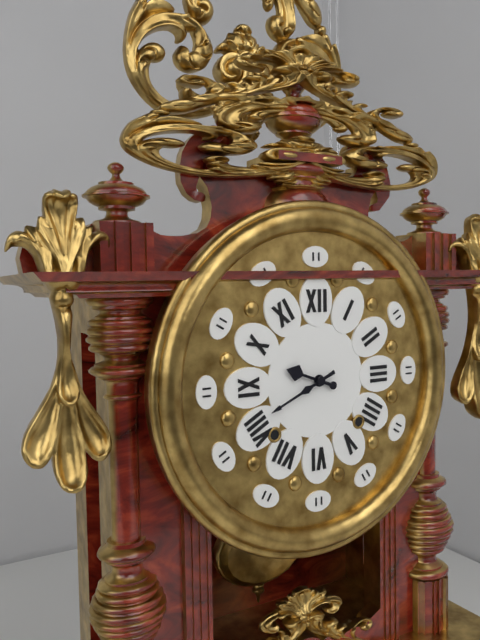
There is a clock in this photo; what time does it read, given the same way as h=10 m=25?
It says h=9 m=41
